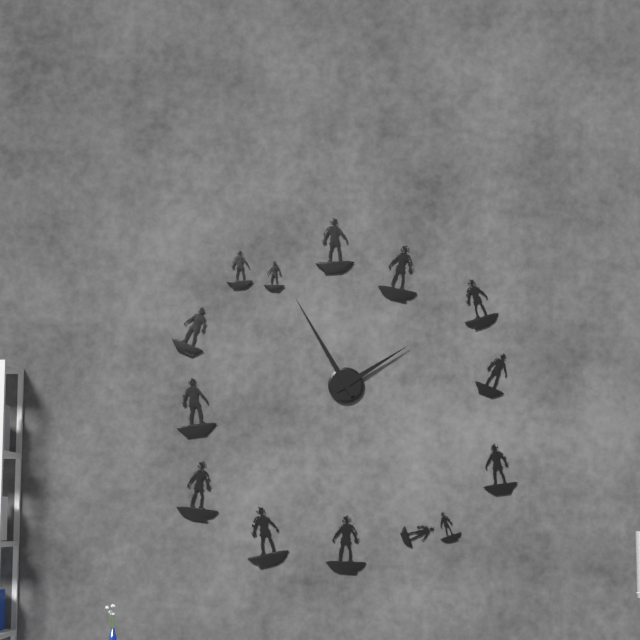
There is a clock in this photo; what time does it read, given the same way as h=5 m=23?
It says h=1 m=55
